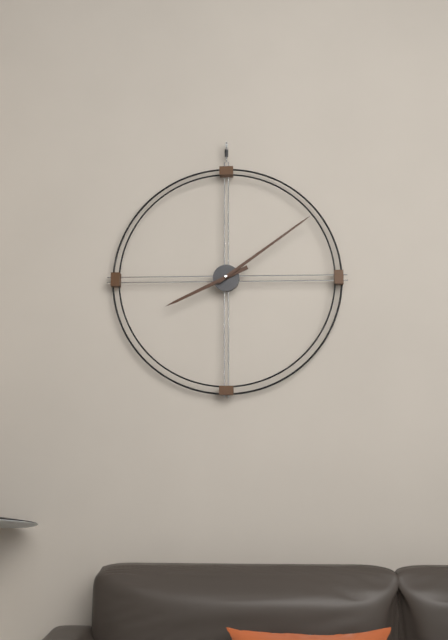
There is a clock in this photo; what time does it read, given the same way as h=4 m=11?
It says h=8 m=9
